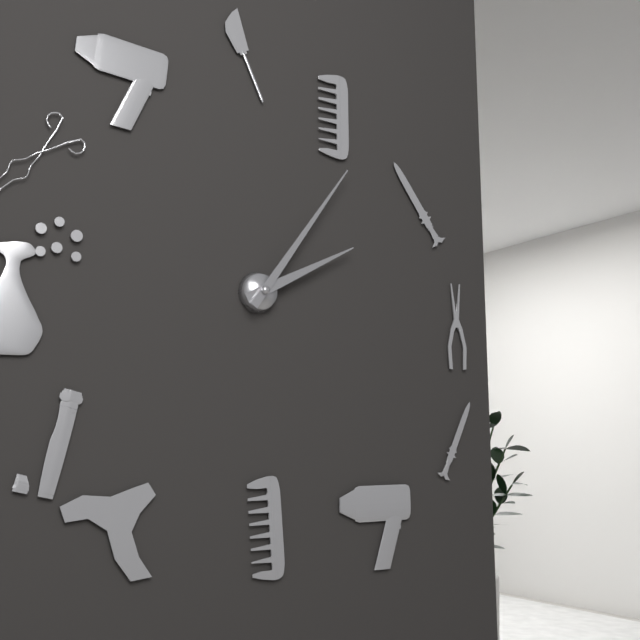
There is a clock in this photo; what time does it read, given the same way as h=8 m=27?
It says h=2 m=6
